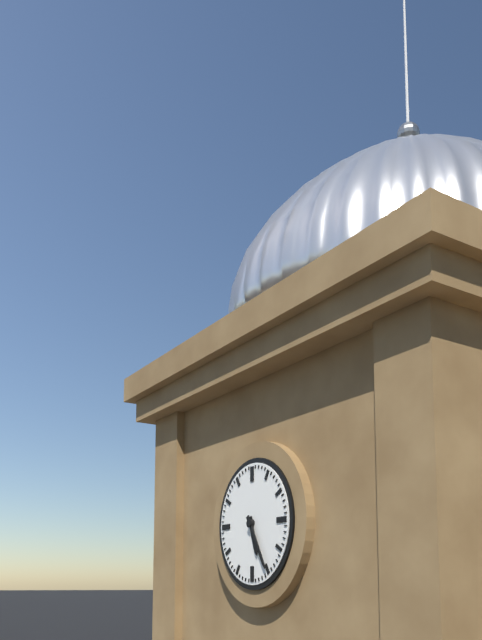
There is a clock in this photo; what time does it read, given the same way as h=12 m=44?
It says h=5 m=25
